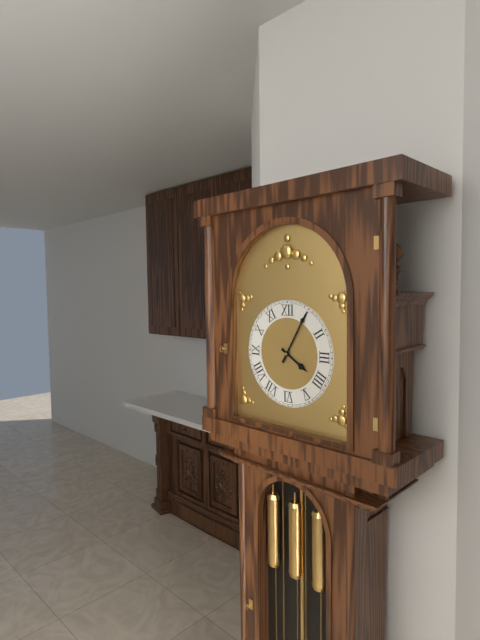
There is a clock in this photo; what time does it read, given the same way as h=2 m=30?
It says h=4 m=5
